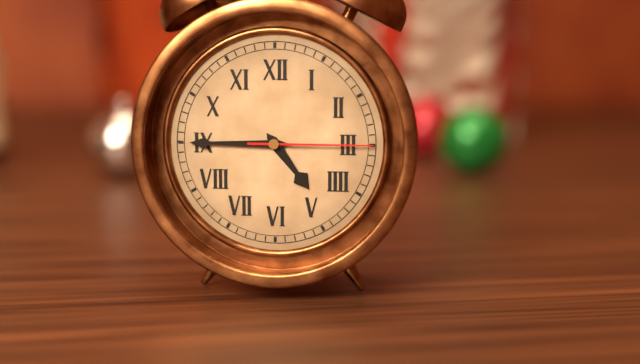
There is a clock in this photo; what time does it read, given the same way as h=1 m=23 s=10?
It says h=4 m=45 s=15
